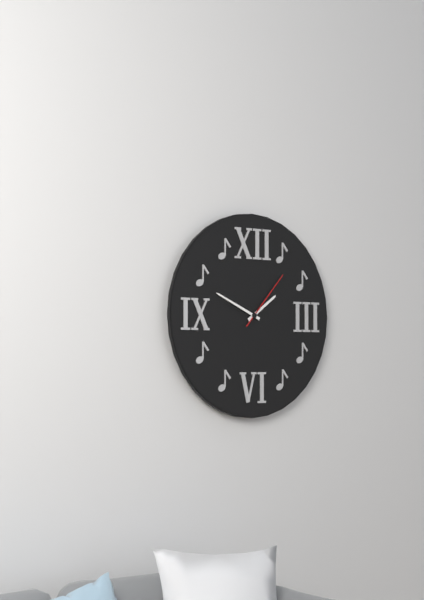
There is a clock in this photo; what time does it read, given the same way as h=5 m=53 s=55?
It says h=1 m=49 s=7
